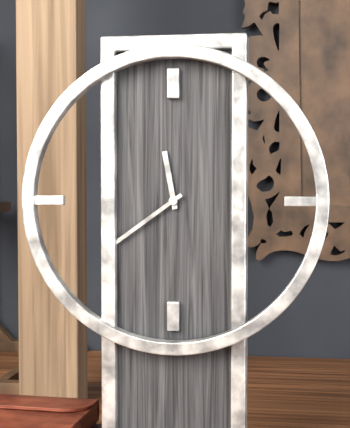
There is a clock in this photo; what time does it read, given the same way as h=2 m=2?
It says h=11 m=39
